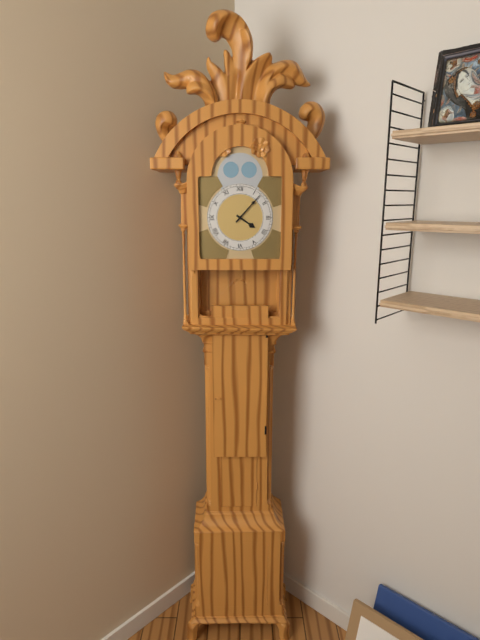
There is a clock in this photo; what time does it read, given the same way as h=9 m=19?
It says h=4 m=7
